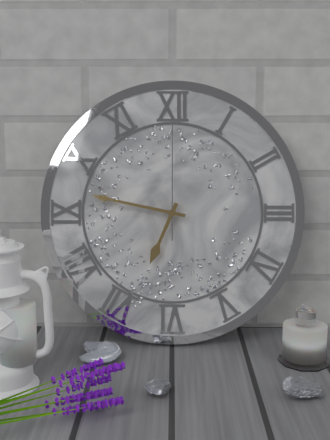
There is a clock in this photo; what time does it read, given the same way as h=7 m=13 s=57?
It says h=6 m=47 s=0
